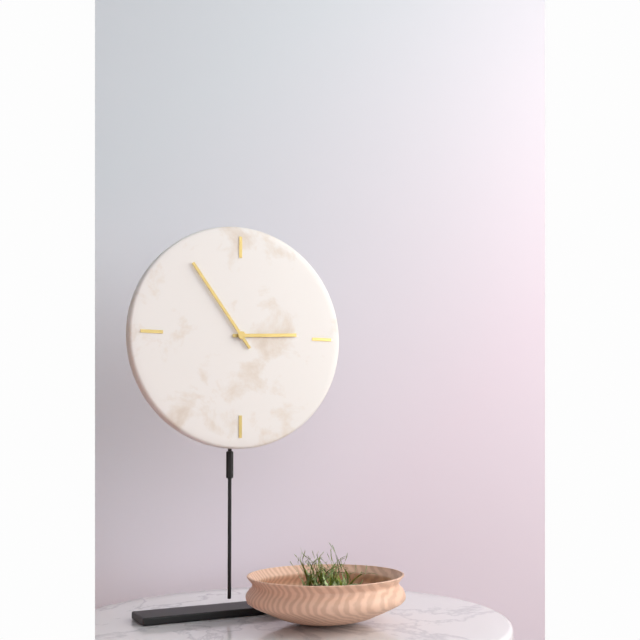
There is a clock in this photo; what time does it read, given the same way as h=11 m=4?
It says h=2 m=54
